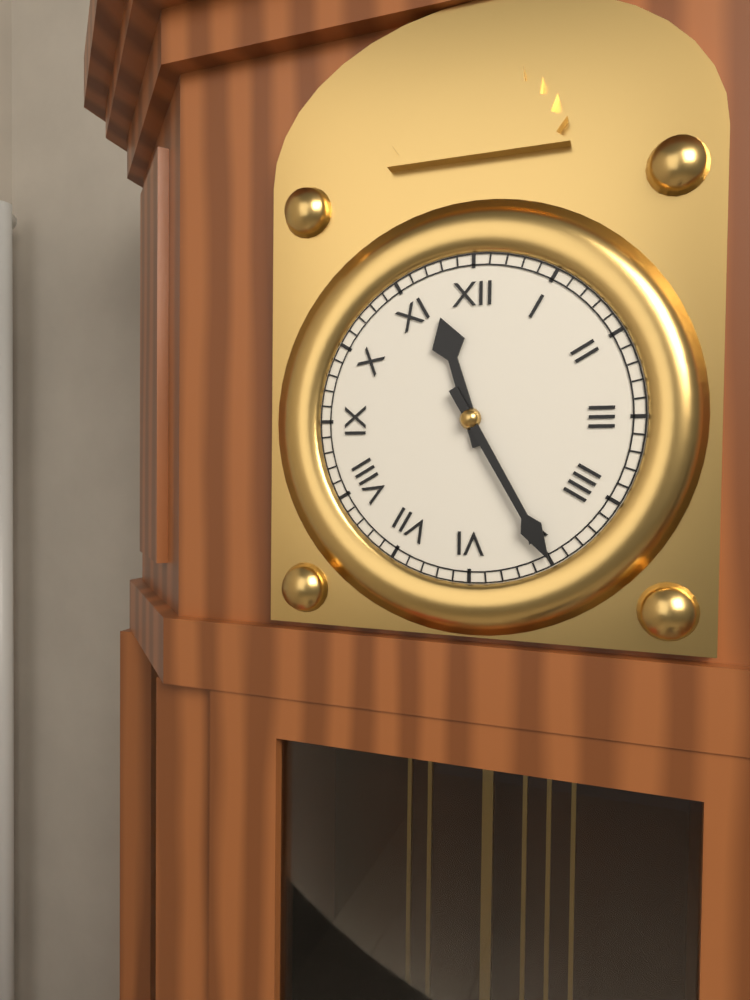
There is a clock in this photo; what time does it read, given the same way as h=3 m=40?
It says h=11 m=25
